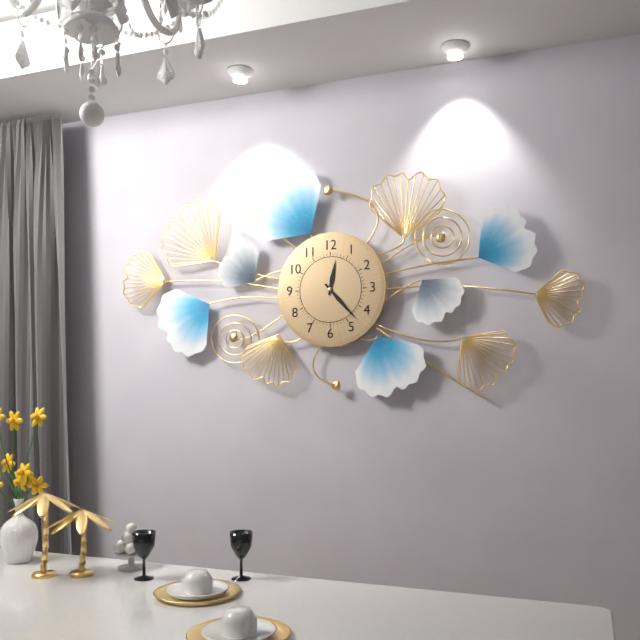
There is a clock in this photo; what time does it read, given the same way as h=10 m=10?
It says h=12 m=23
